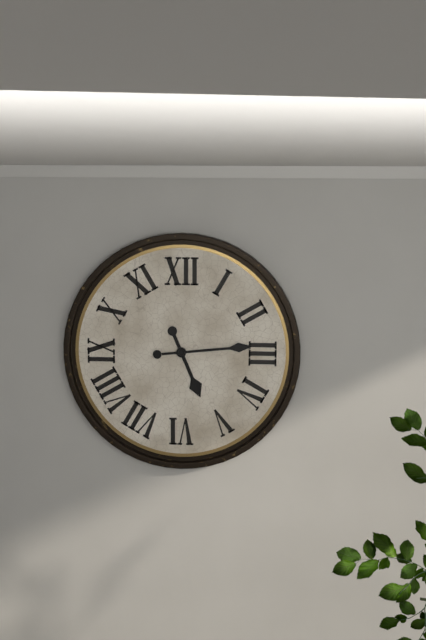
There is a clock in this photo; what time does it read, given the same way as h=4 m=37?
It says h=5 m=14
